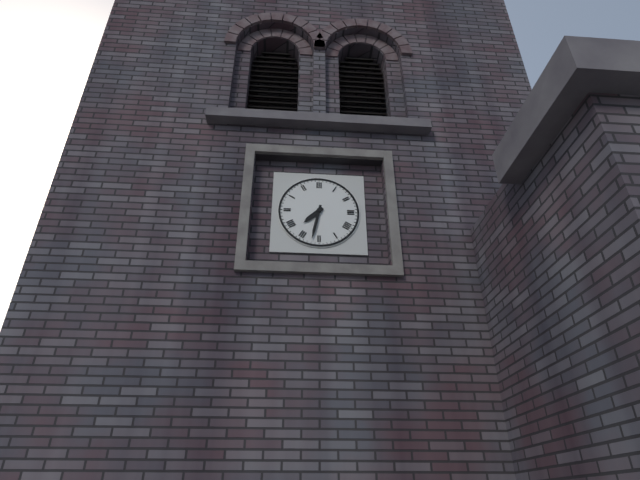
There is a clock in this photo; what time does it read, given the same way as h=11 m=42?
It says h=7 m=32
